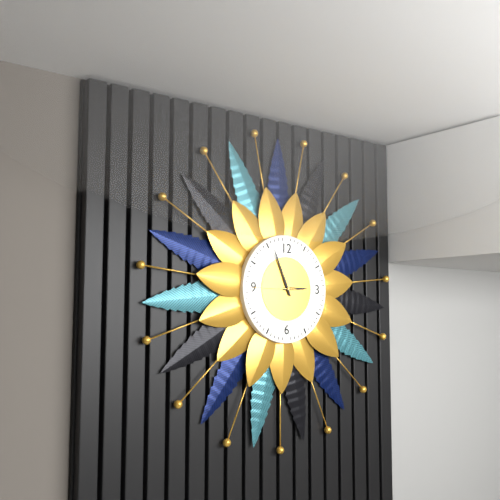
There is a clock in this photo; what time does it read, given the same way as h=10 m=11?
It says h=2 m=56
